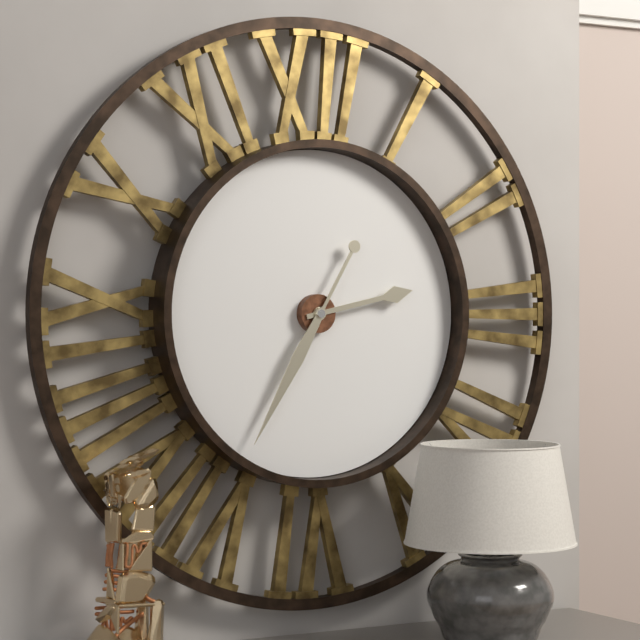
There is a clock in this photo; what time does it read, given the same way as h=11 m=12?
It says h=2 m=35
